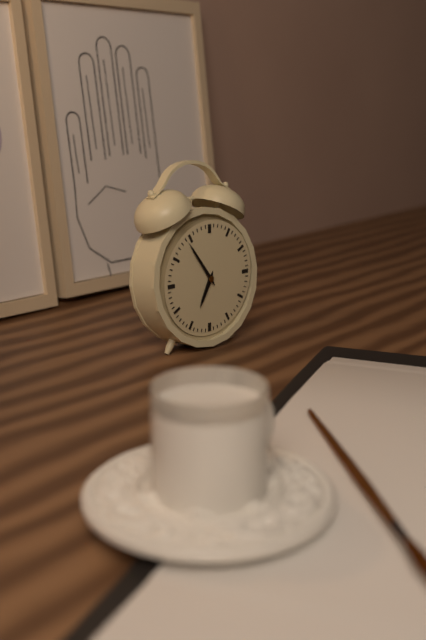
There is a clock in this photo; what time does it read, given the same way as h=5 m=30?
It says h=6 m=54
